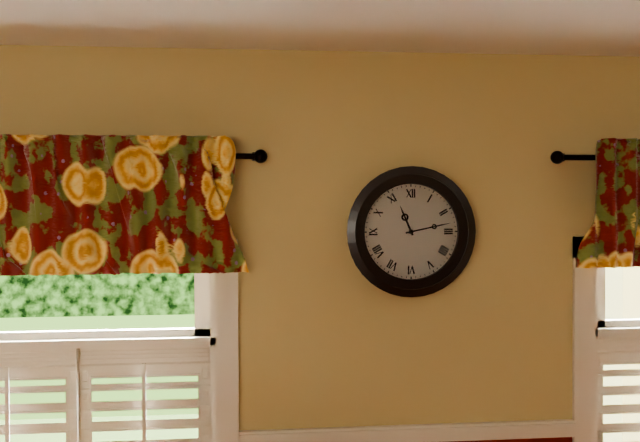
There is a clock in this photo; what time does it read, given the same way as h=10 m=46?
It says h=11 m=13
